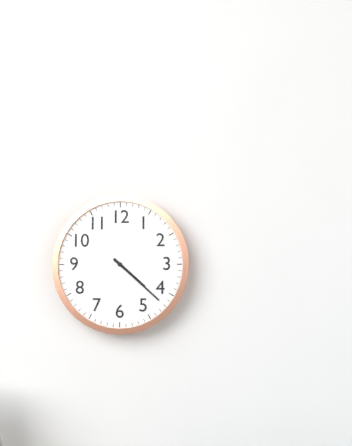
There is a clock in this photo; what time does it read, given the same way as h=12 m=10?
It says h=4 m=22
